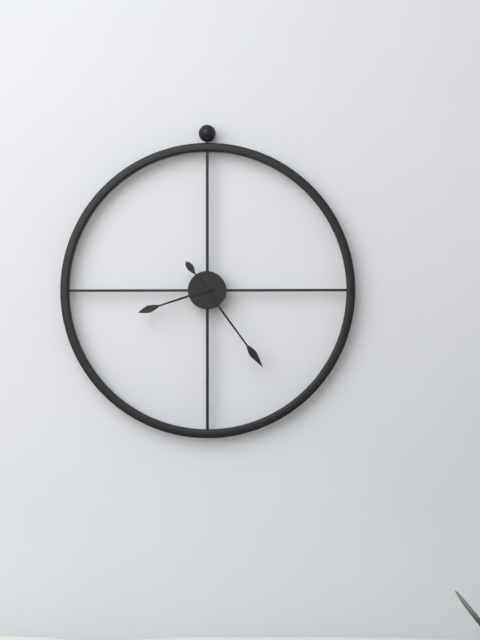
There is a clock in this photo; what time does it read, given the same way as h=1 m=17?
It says h=8 m=24
